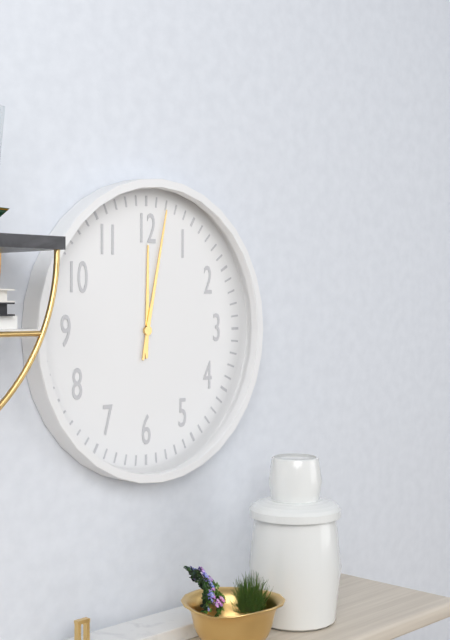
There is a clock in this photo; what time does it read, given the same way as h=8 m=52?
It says h=12 m=2
